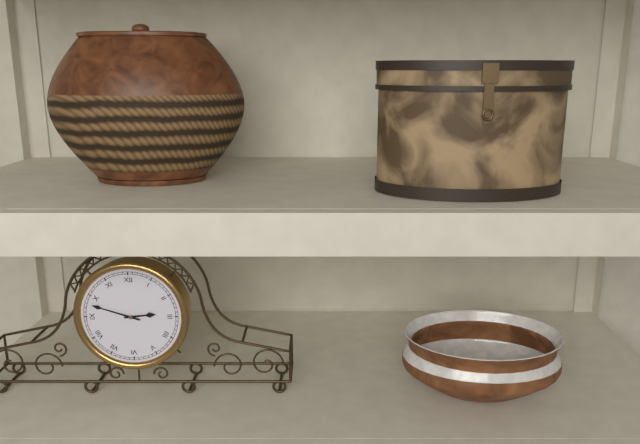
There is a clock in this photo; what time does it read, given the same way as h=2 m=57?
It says h=2 m=48
